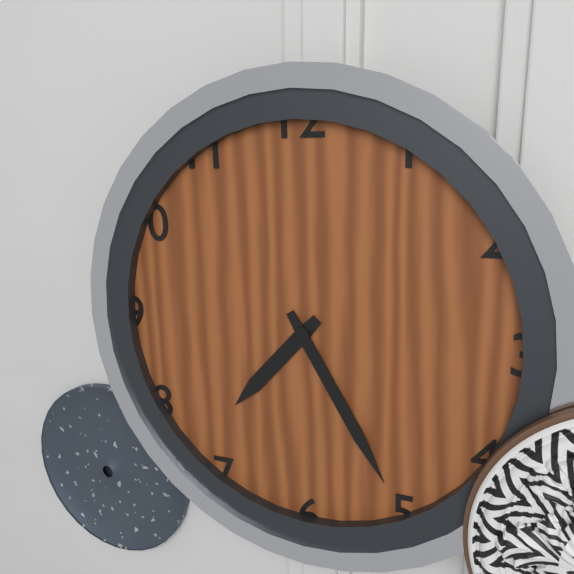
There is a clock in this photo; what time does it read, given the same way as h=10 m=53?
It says h=7 m=25
